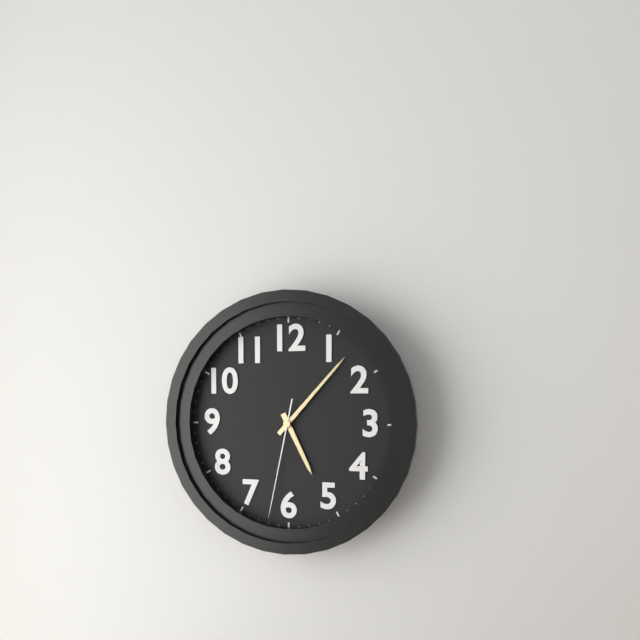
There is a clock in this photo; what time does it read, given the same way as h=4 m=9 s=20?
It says h=5 m=7 s=32
